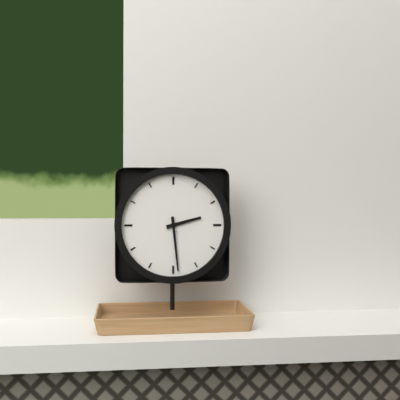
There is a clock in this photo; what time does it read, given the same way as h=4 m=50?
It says h=2 m=29
